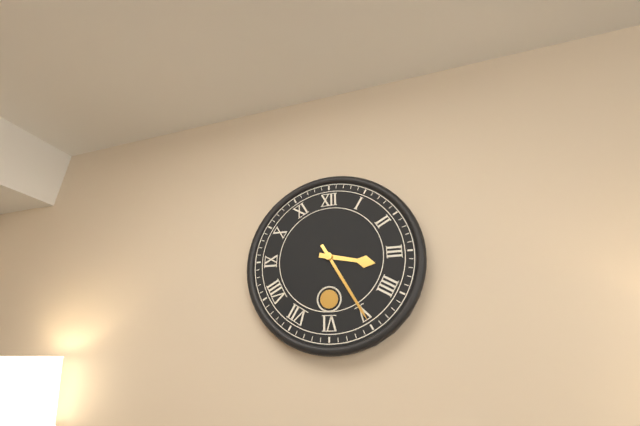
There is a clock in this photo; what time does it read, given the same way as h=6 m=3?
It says h=3 m=25
